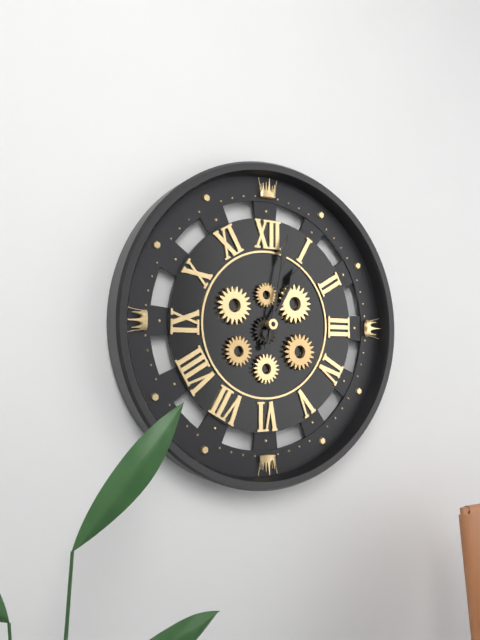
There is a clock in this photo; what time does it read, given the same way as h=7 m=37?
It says h=1 m=2
